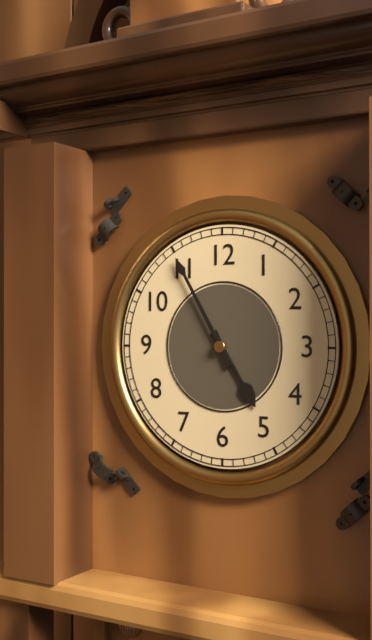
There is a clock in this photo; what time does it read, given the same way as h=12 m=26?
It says h=4 m=55
